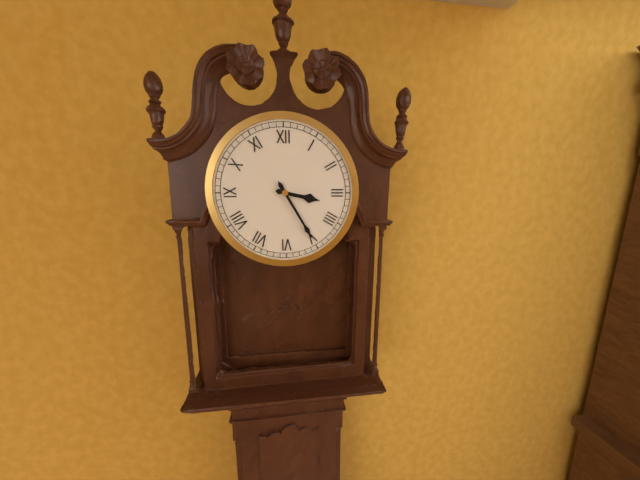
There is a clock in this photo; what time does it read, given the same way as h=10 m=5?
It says h=3 m=25
